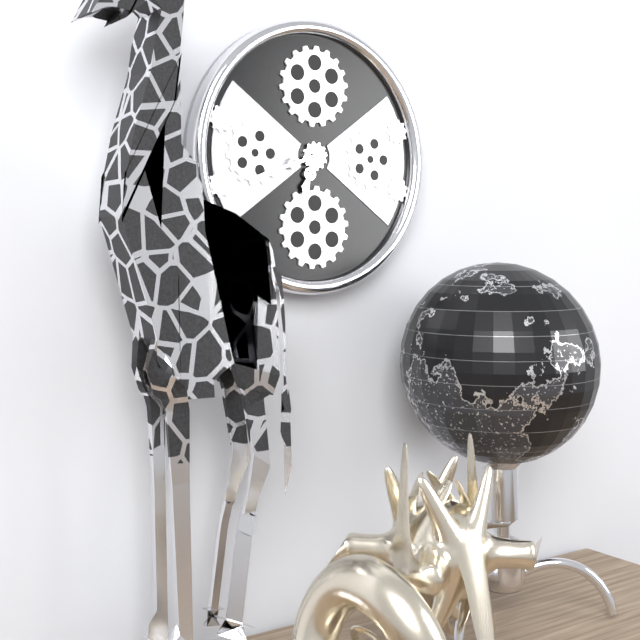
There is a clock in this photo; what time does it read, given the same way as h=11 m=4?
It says h=6 m=42
